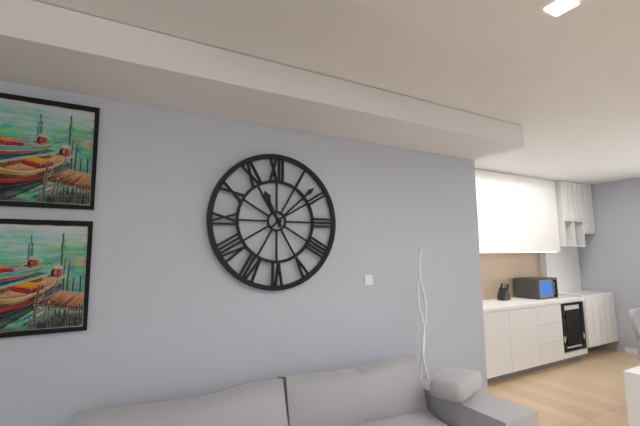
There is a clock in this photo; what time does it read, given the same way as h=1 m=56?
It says h=11 m=8
